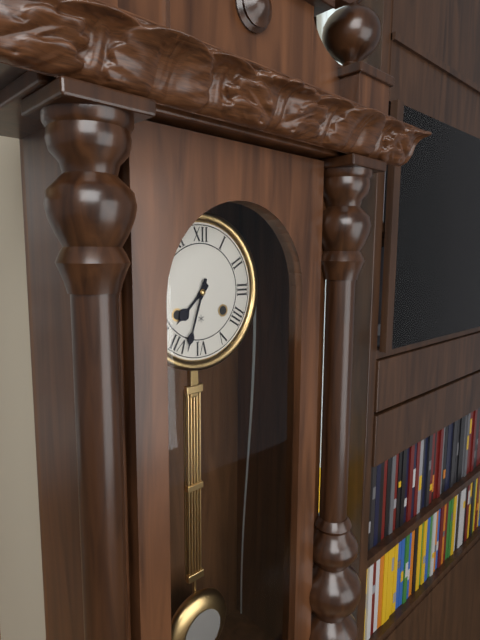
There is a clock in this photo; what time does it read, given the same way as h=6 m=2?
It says h=7 m=33
